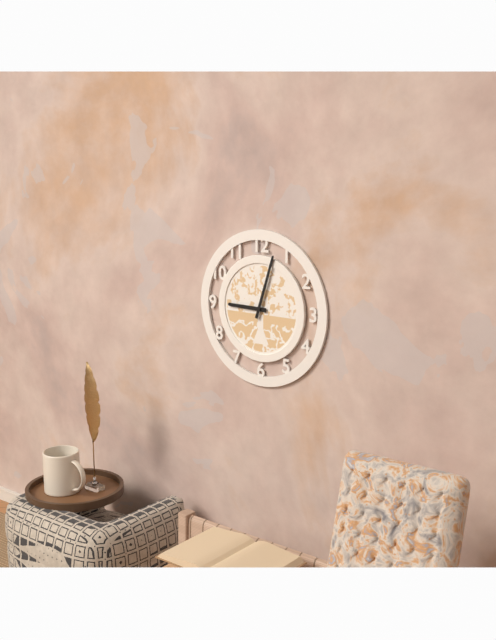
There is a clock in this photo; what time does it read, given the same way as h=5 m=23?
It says h=9 m=3
